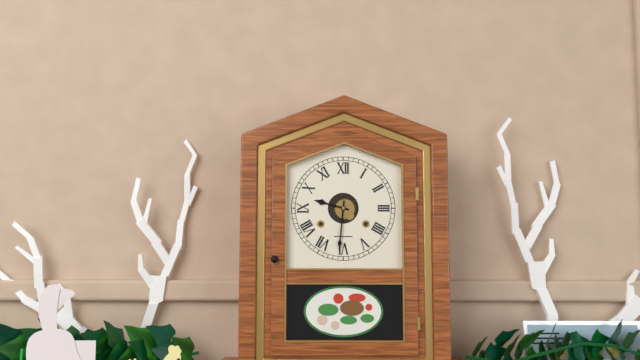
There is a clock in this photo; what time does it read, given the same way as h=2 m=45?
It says h=9 m=31
